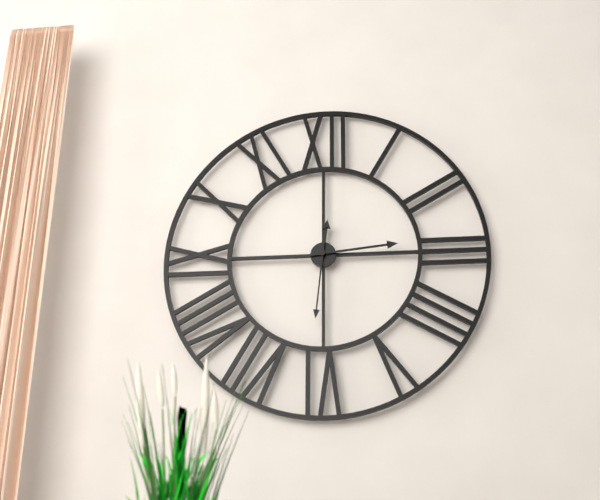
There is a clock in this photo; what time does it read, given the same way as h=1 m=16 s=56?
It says h=12 m=14 s=31
